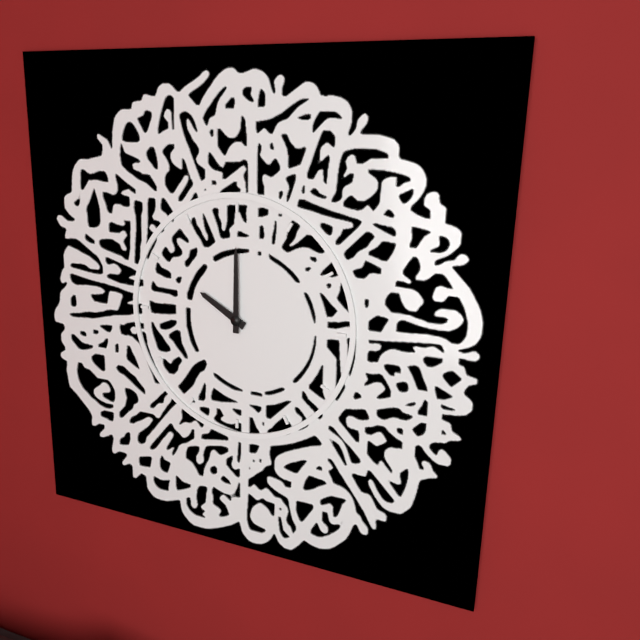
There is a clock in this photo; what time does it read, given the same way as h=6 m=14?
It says h=10 m=0
